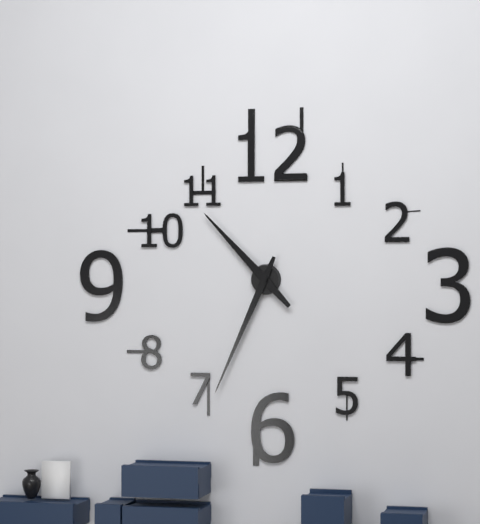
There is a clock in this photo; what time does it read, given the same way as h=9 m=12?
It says h=10 m=34
